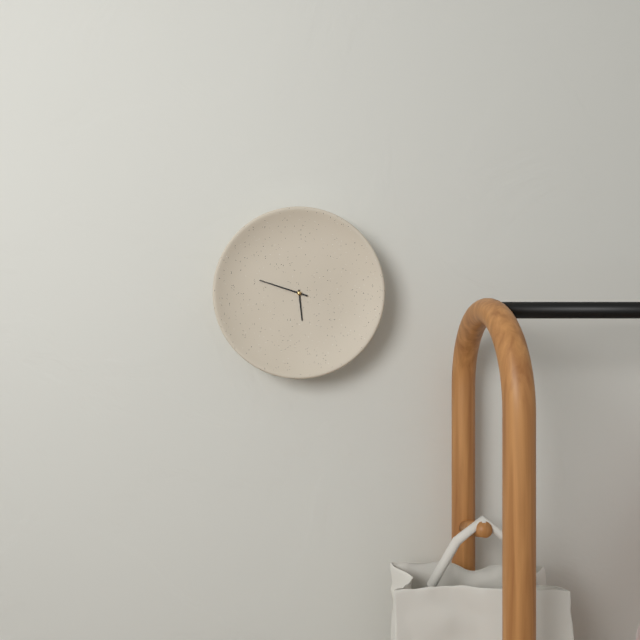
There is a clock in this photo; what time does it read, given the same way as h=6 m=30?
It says h=5 m=48
